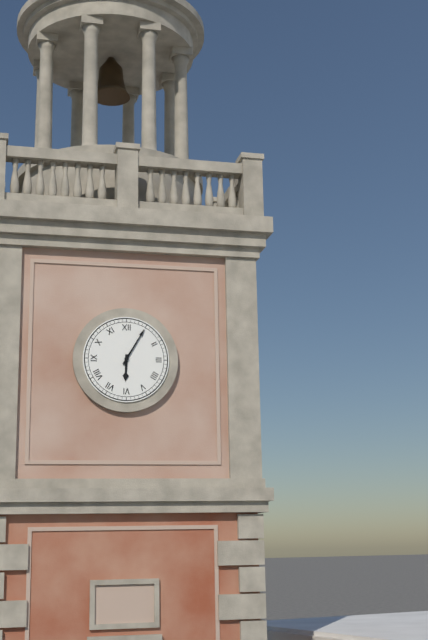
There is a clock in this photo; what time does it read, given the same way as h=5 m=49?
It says h=6 m=5
